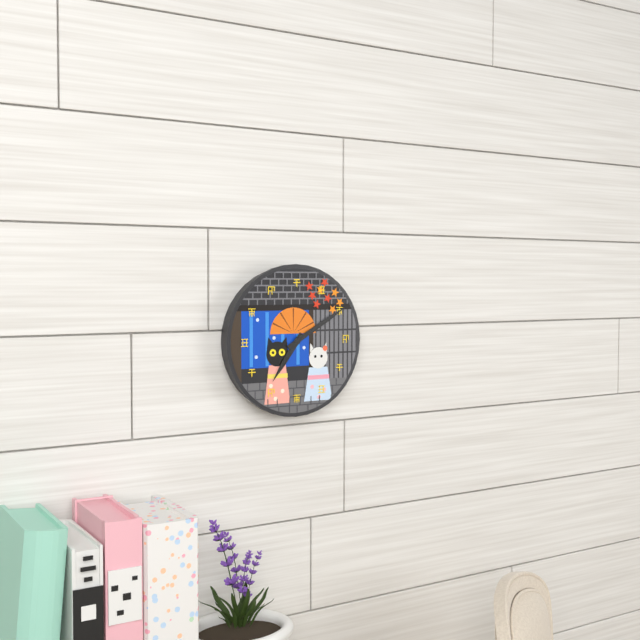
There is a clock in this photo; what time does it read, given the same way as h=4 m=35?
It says h=7 m=10
